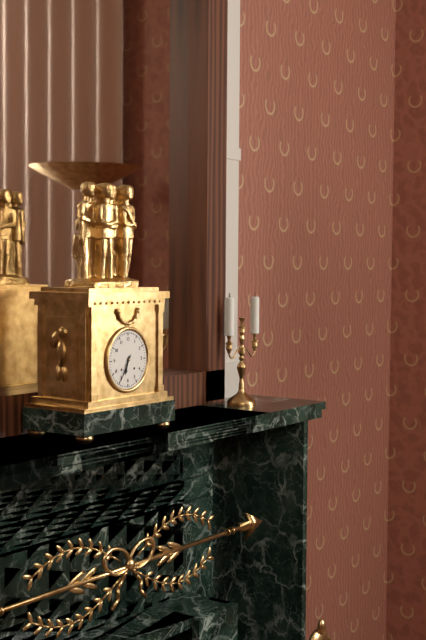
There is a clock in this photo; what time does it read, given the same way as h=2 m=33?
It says h=6 m=35
